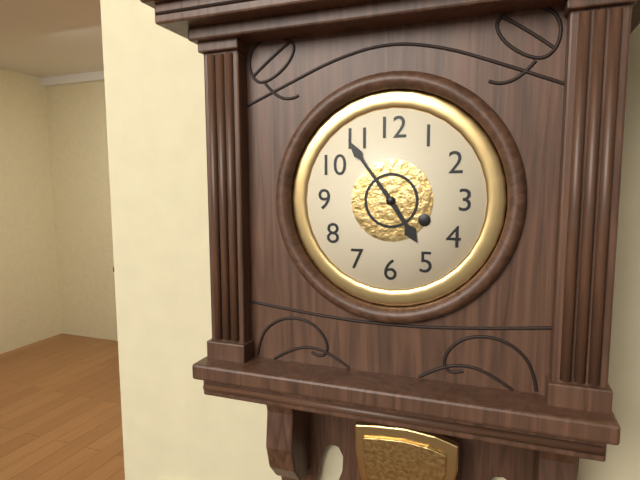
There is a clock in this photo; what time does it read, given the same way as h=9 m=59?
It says h=4 m=54
